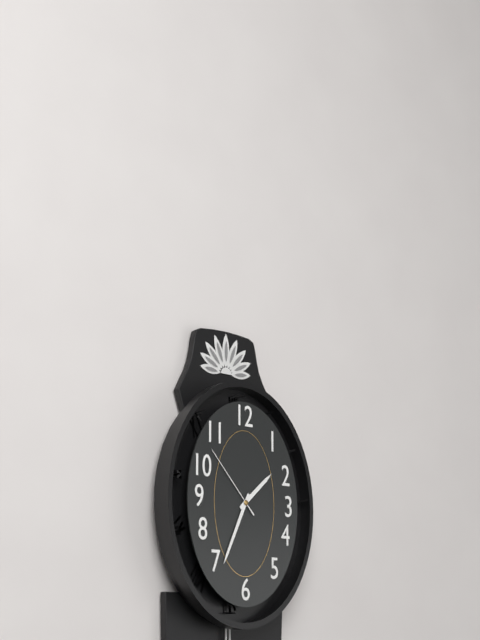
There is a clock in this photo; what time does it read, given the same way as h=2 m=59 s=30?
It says h=1 m=34 s=53
